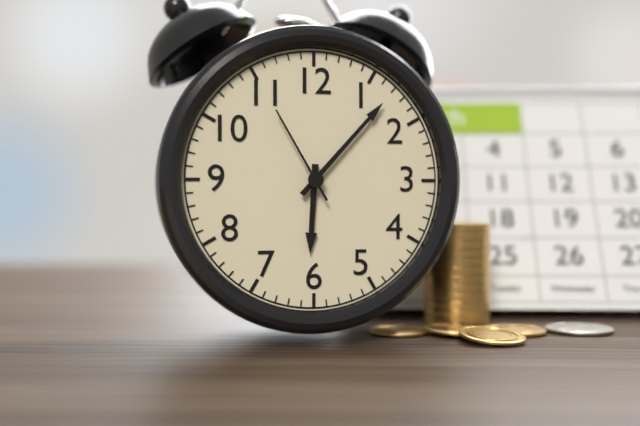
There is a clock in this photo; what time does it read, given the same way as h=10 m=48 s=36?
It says h=6 m=7 s=55
